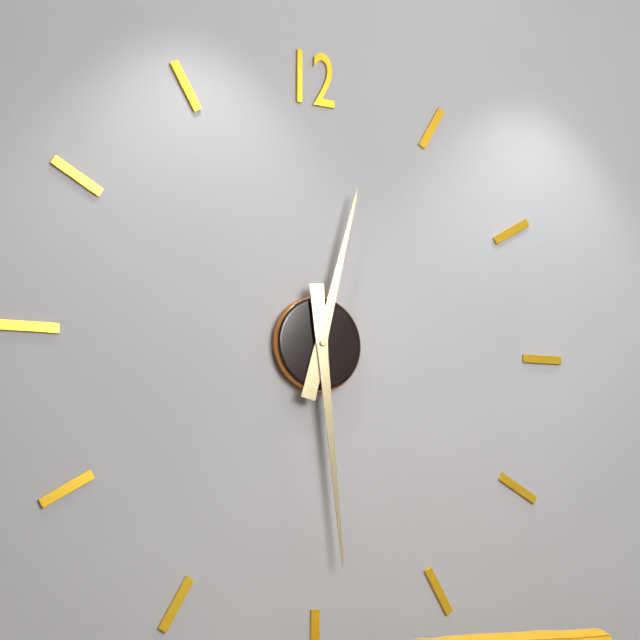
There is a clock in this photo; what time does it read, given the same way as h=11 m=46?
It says h=12 m=29
